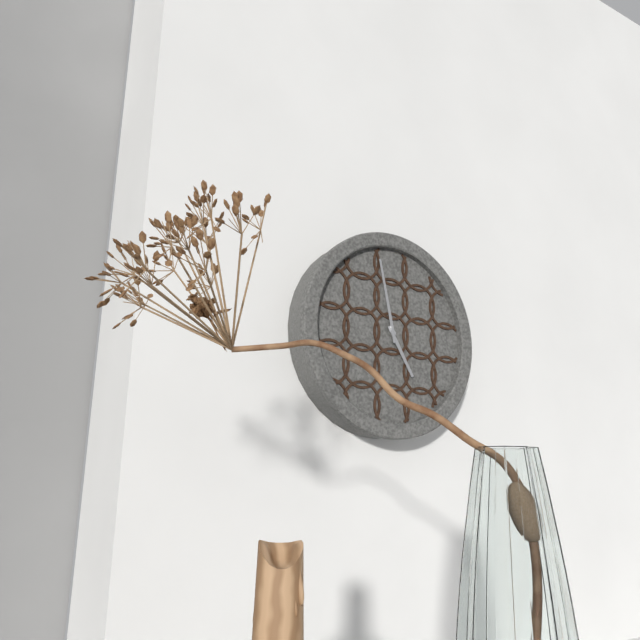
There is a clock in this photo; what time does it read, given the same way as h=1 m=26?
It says h=4 m=58
